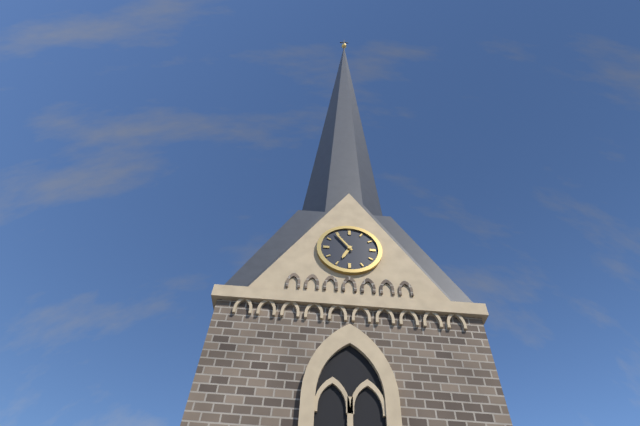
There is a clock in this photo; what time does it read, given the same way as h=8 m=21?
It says h=6 m=54
